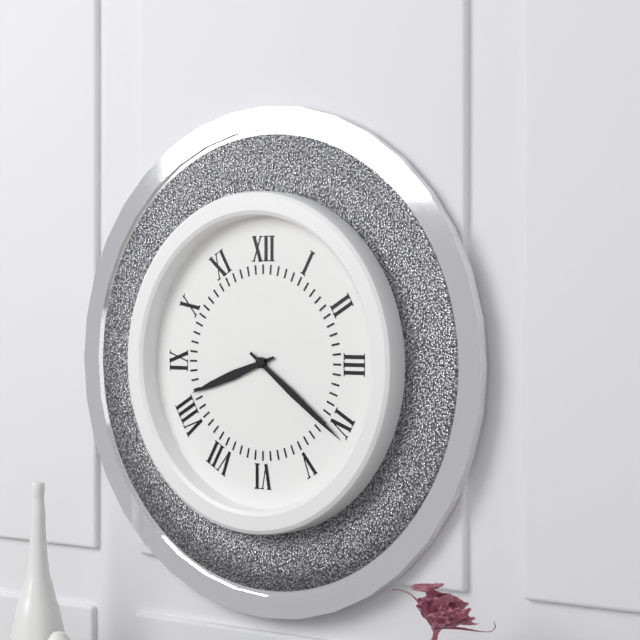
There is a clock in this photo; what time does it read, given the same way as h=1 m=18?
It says h=8 m=21
